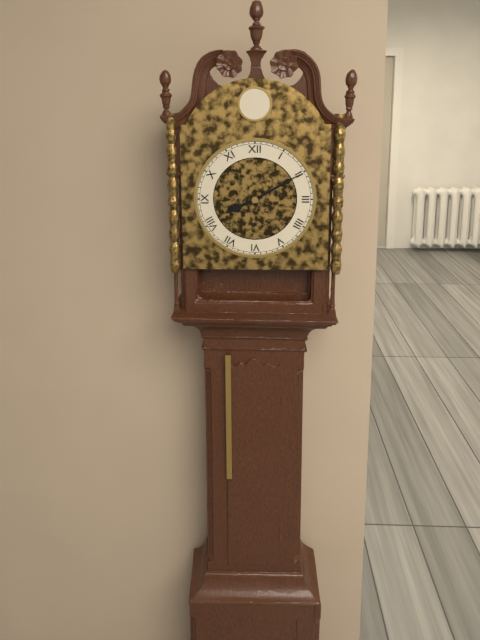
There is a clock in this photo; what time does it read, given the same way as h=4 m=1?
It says h=8 m=10
